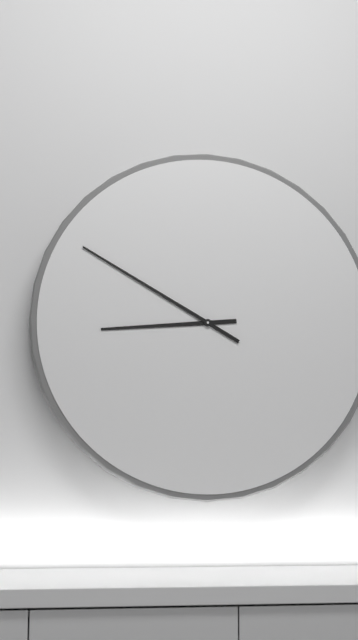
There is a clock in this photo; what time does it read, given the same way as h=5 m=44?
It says h=8 m=50
